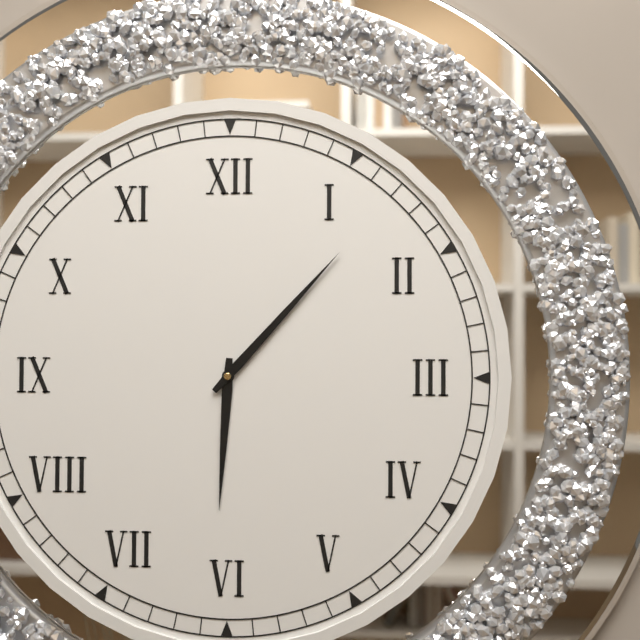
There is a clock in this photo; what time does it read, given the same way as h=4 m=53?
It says h=6 m=7
